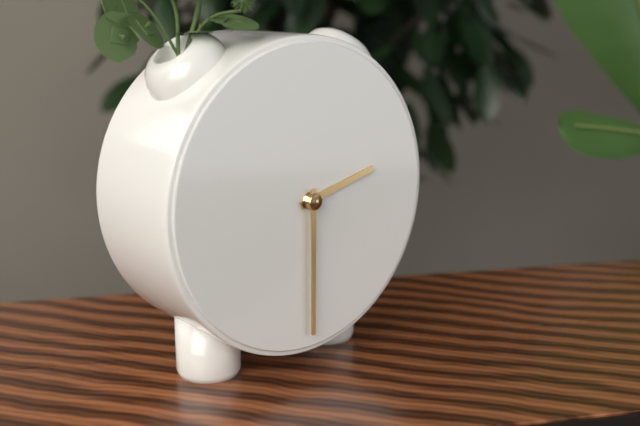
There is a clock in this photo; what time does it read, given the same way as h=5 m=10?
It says h=2 m=30
